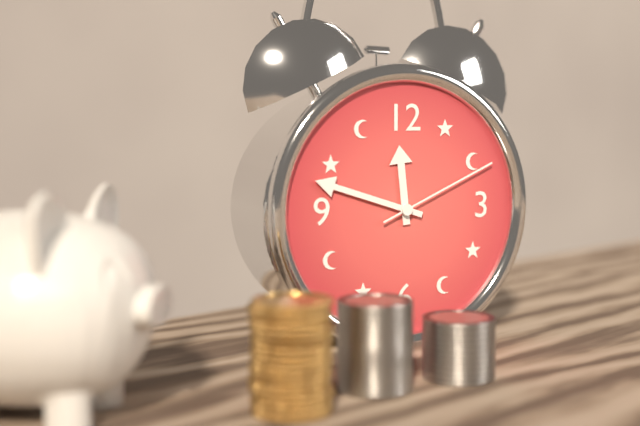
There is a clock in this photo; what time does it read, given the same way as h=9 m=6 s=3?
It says h=11 m=48 s=11
